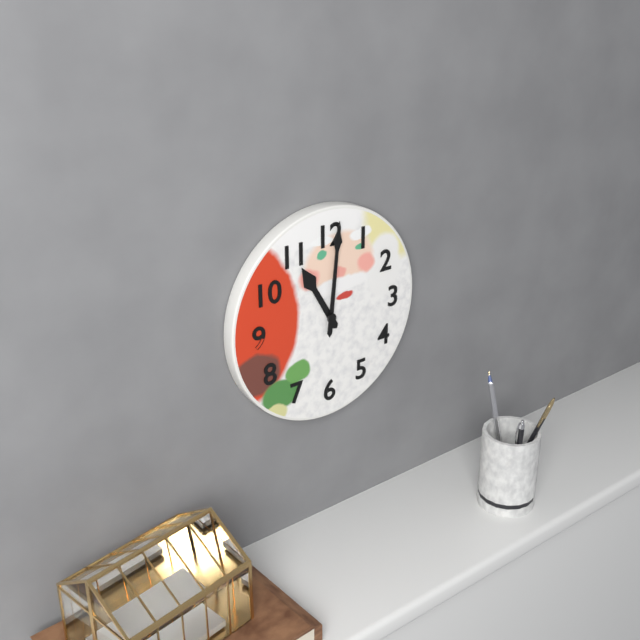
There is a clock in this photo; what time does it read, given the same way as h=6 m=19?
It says h=11 m=1
